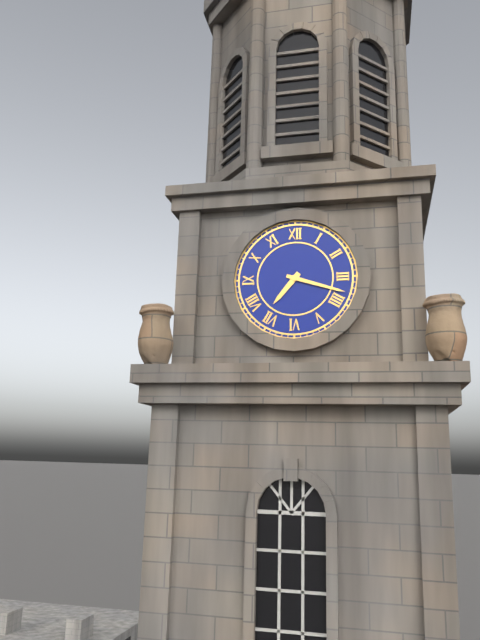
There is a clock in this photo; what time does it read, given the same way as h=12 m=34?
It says h=7 m=18
